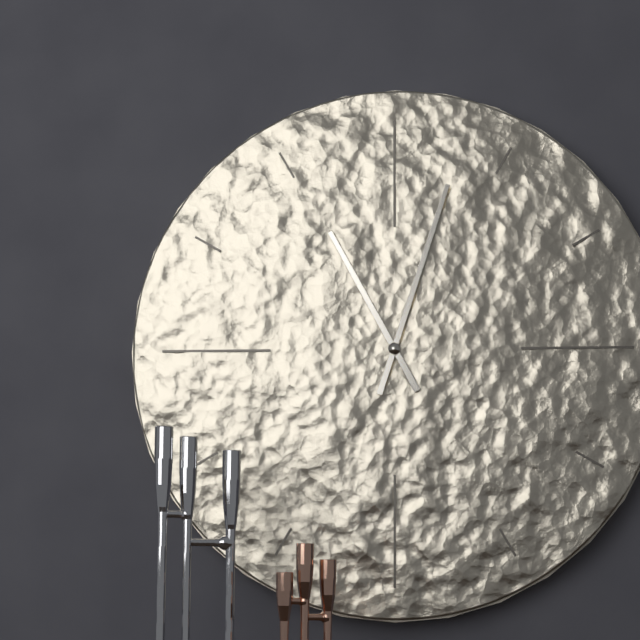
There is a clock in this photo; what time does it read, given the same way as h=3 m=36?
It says h=11 m=3
